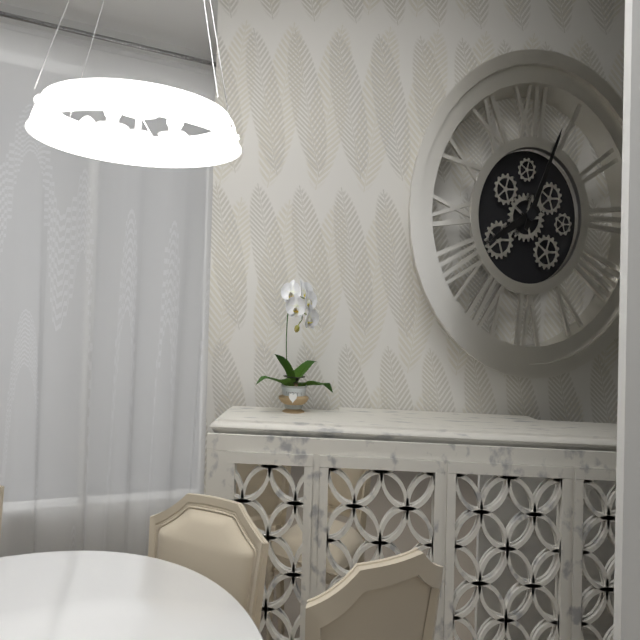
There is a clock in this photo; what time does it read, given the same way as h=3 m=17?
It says h=8 m=4
